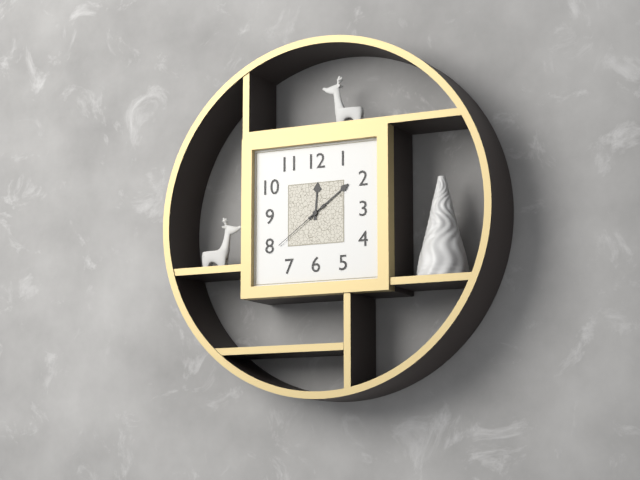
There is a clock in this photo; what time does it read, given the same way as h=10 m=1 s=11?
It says h=12 m=9 s=39
